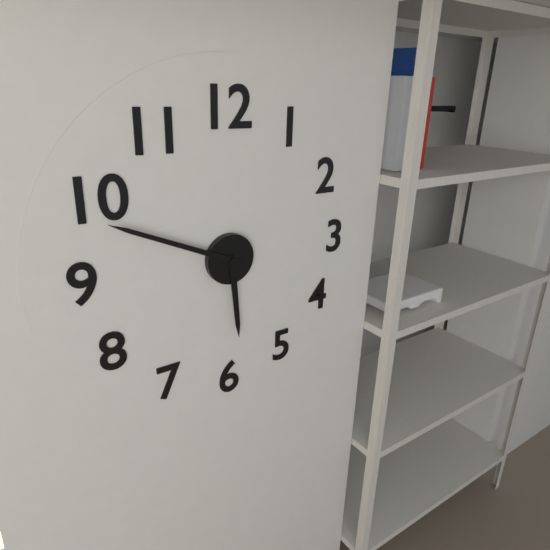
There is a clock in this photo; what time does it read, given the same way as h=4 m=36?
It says h=5 m=49
